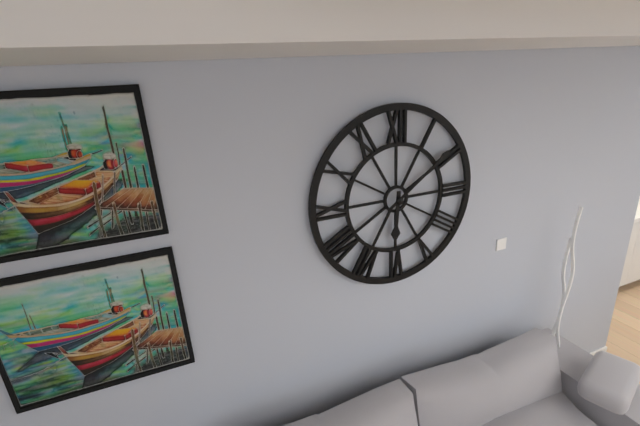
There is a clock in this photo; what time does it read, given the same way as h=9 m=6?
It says h=6 m=9
